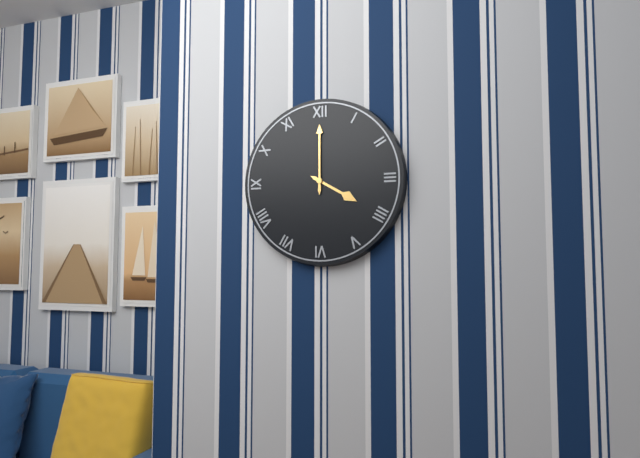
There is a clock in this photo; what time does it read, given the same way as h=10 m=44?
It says h=4 m=0
